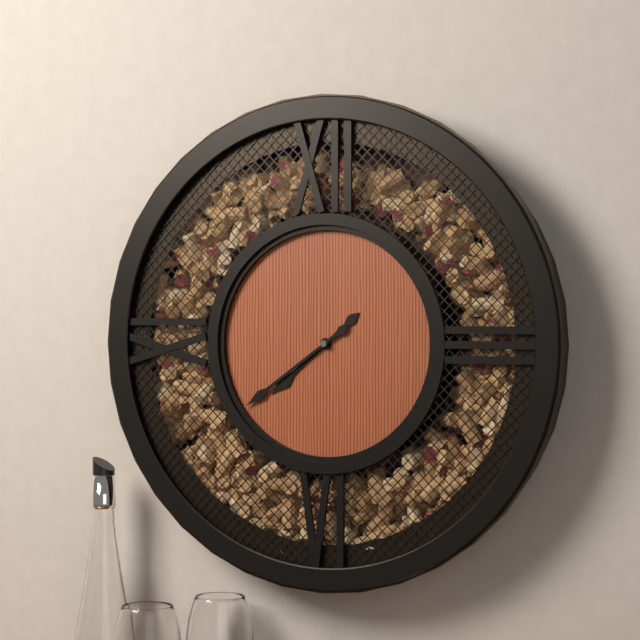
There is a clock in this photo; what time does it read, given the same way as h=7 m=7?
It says h=7 m=39
